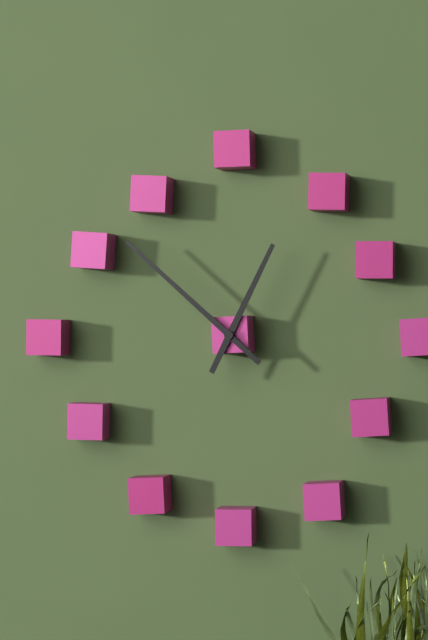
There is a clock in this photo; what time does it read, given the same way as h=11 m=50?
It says h=12 m=52
